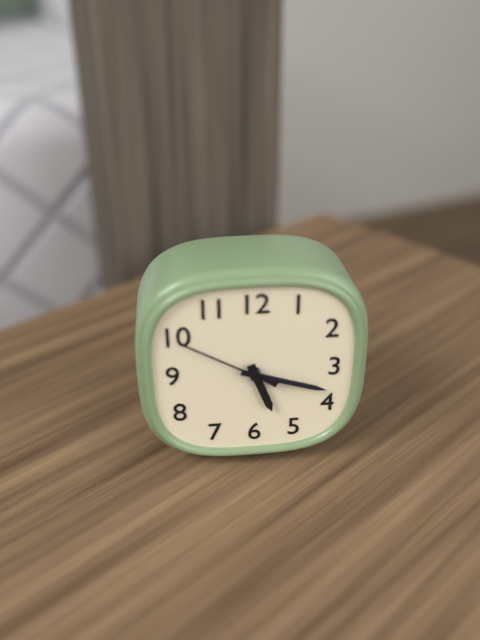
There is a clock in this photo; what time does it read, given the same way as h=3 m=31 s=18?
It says h=5 m=18 s=50
